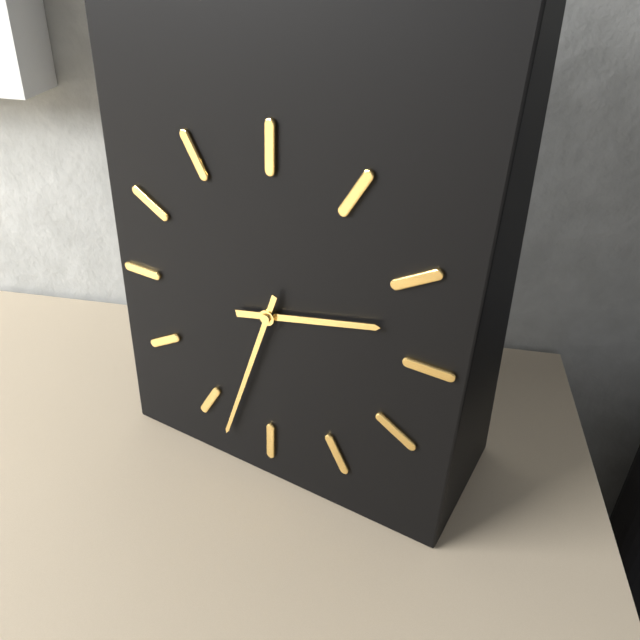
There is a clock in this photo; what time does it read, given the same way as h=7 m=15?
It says h=2 m=33
